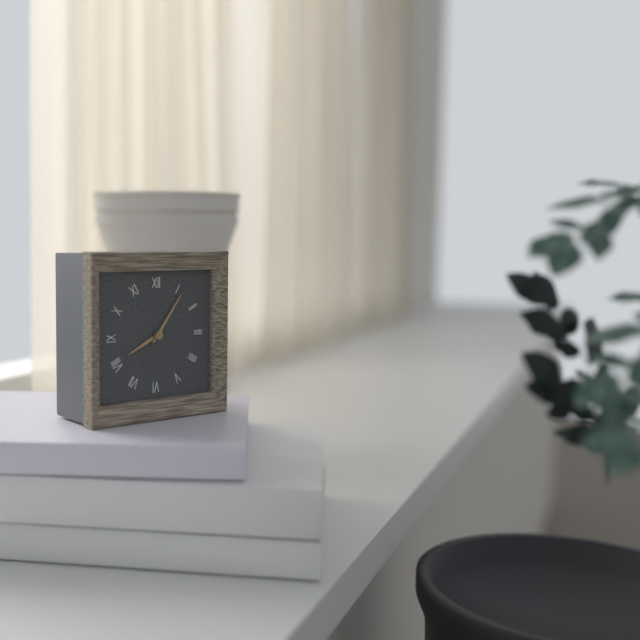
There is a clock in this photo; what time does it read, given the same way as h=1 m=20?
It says h=8 m=6
